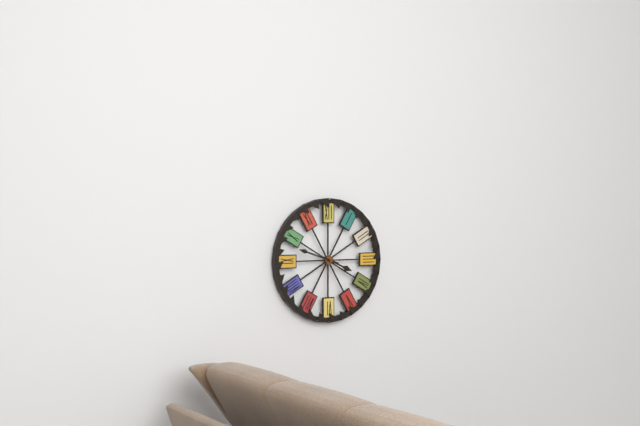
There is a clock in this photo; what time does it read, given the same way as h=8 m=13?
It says h=3 m=48
